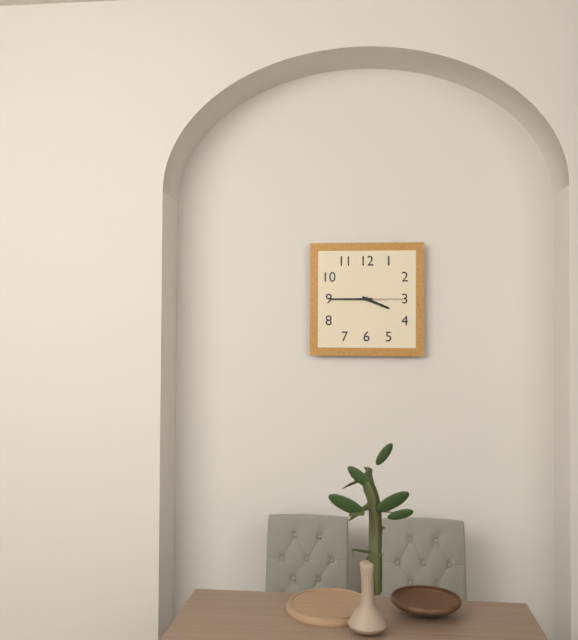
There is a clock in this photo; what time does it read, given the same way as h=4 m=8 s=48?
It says h=3 m=45 s=15
